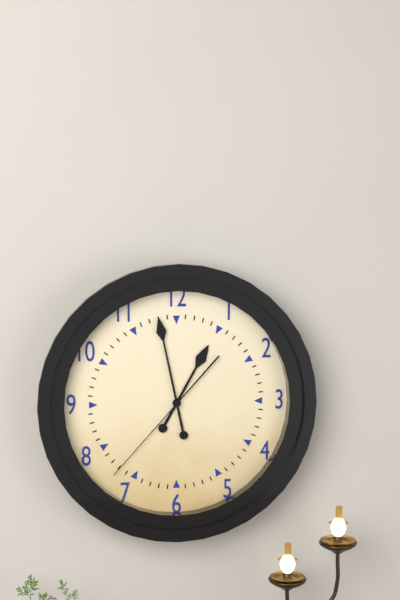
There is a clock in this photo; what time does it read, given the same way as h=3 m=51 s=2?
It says h=12 m=58 s=37
